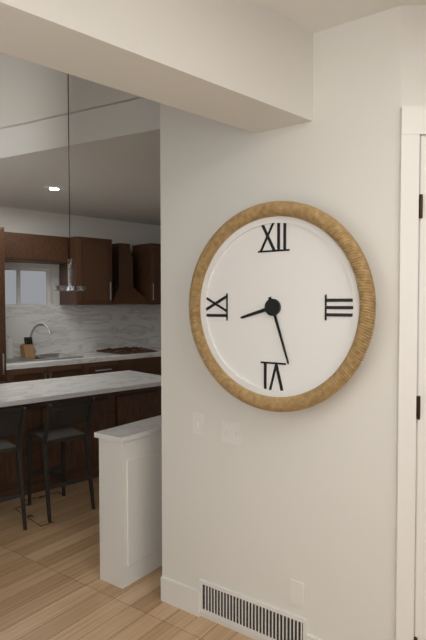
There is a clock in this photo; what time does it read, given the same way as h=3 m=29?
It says h=8 m=27
